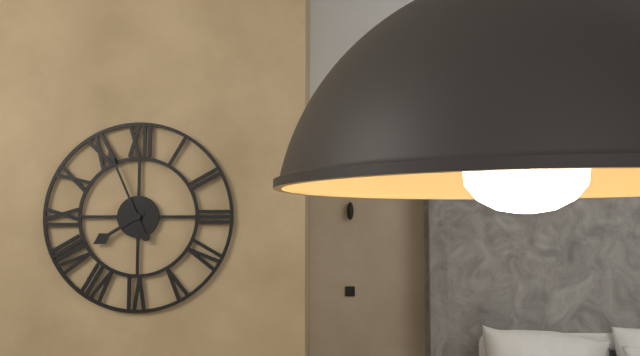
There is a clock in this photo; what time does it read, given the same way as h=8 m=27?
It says h=7 m=56
